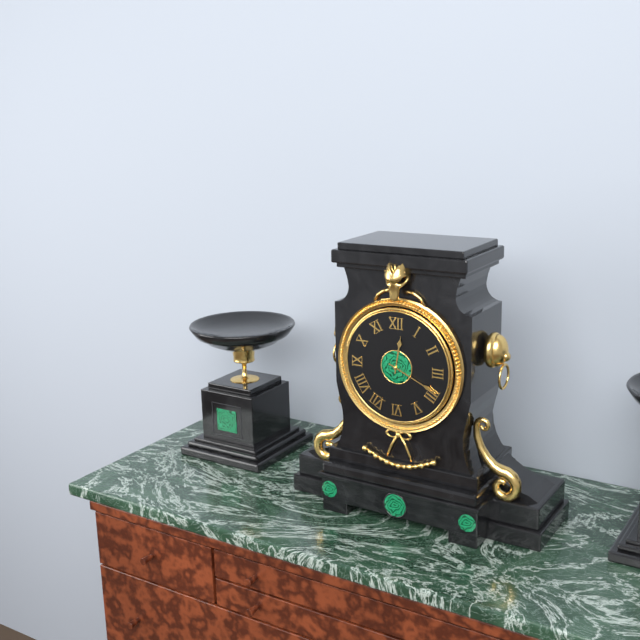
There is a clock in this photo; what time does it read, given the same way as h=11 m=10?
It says h=12 m=19
